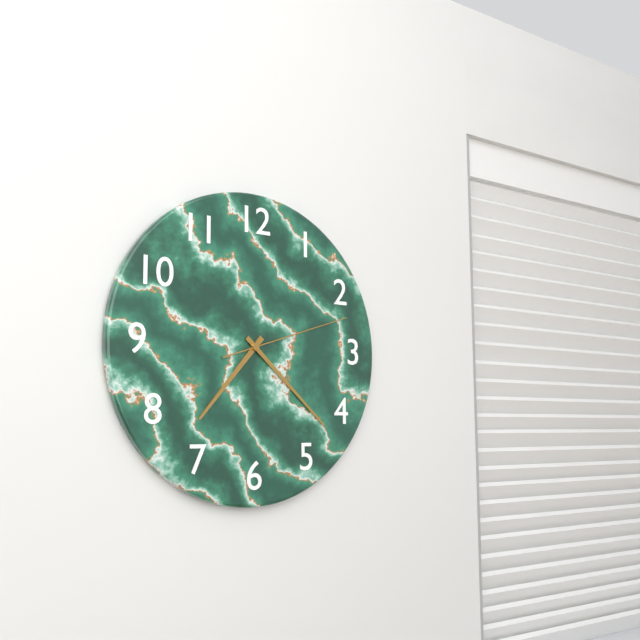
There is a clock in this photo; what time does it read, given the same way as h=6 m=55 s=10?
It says h=7 m=22 s=12
